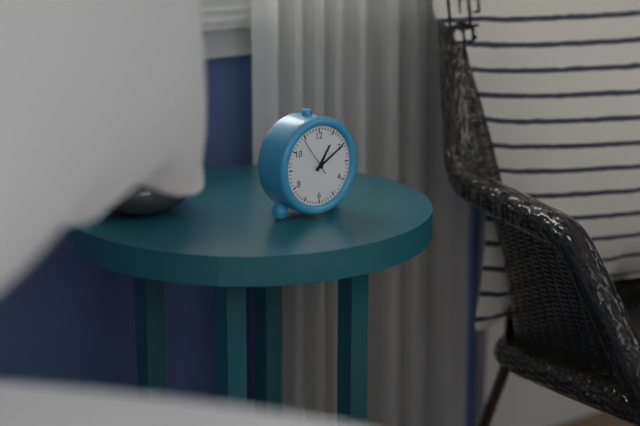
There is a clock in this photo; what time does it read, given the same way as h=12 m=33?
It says h=1 m=10
